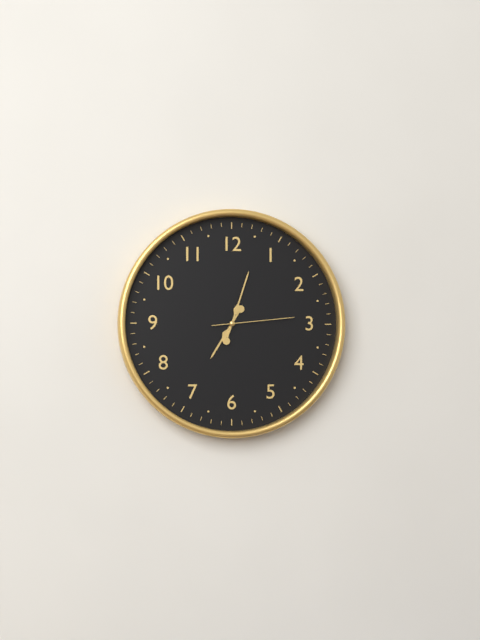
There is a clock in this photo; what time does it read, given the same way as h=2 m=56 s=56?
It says h=7 m=3 s=14
